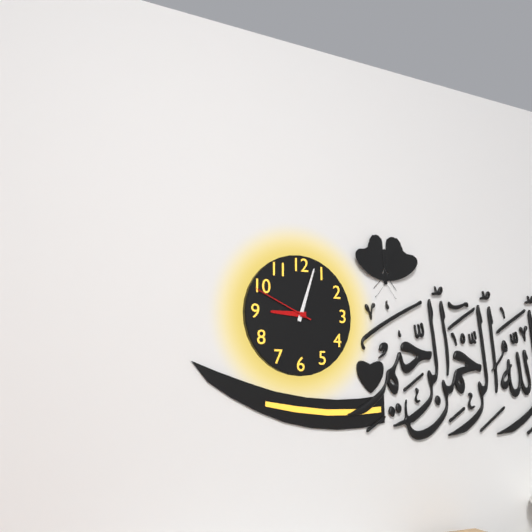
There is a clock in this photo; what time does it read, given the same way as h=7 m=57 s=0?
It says h=9 m=3 s=49
